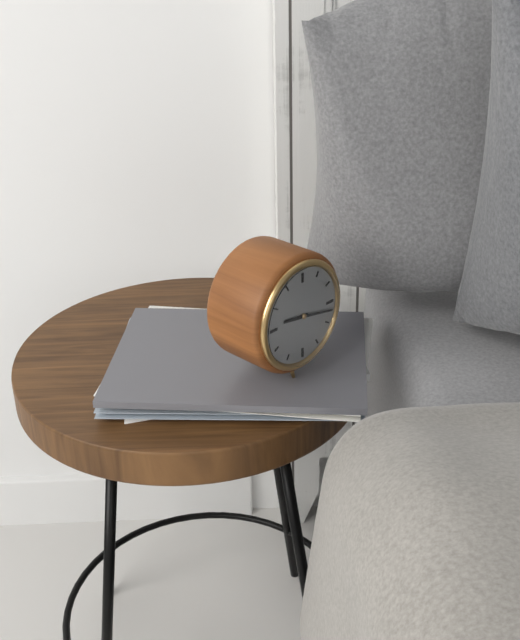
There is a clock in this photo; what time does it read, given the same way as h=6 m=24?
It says h=9 m=17
